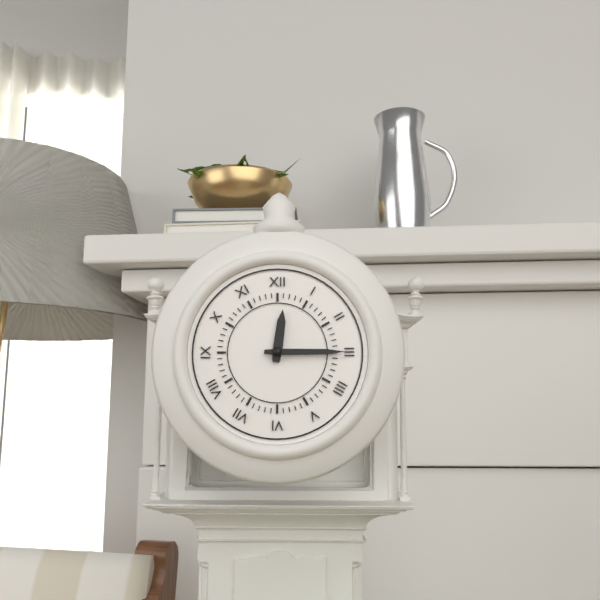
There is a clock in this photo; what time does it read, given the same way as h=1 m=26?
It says h=12 m=15
